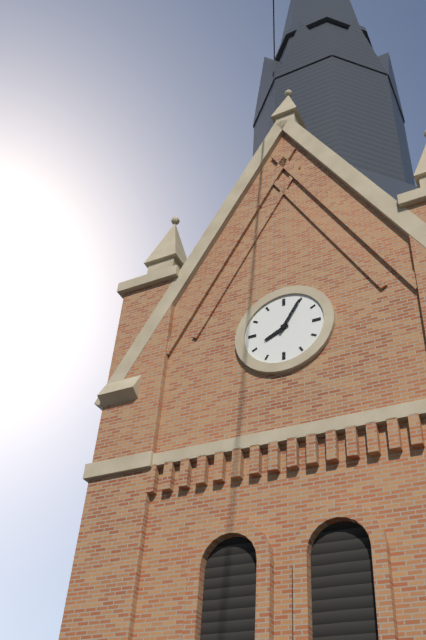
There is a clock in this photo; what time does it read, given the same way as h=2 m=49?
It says h=8 m=5
